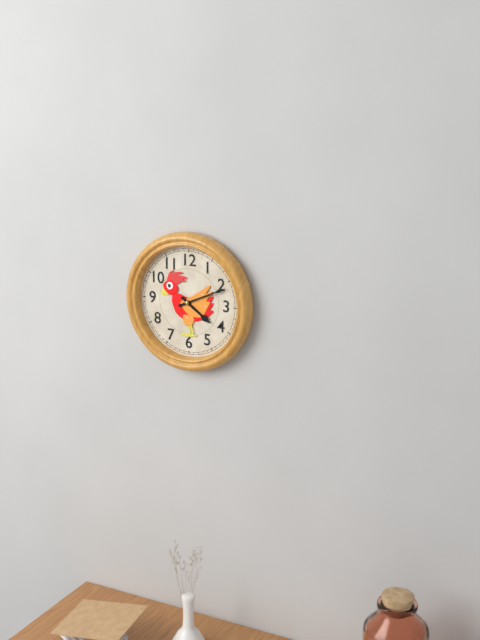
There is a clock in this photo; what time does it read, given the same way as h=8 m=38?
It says h=4 m=11
